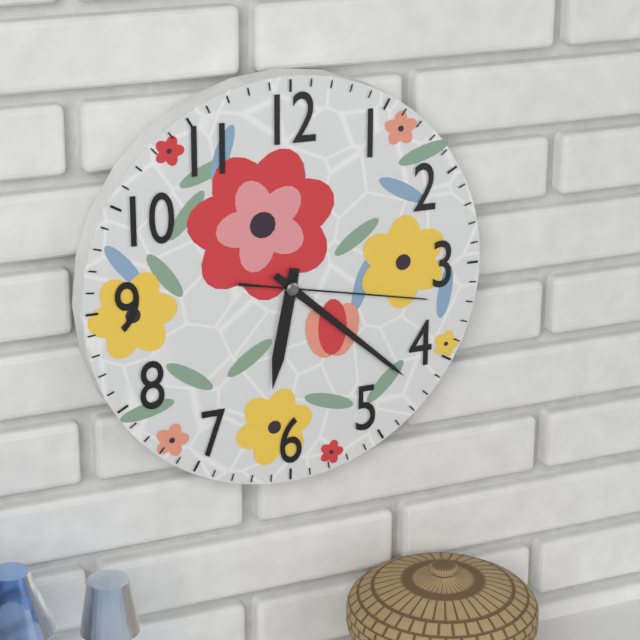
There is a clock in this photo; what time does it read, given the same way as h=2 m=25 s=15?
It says h=6 m=22 s=17
